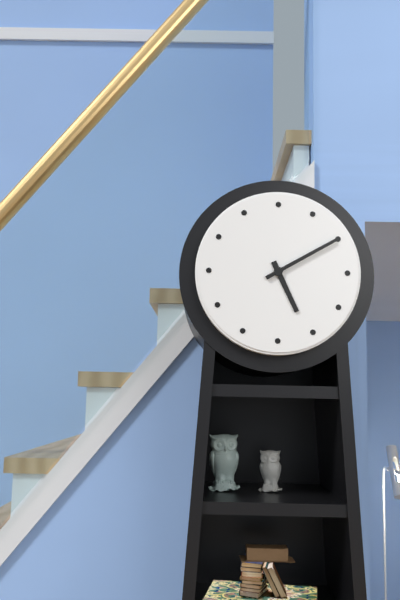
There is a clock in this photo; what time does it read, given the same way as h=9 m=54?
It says h=5 m=10
